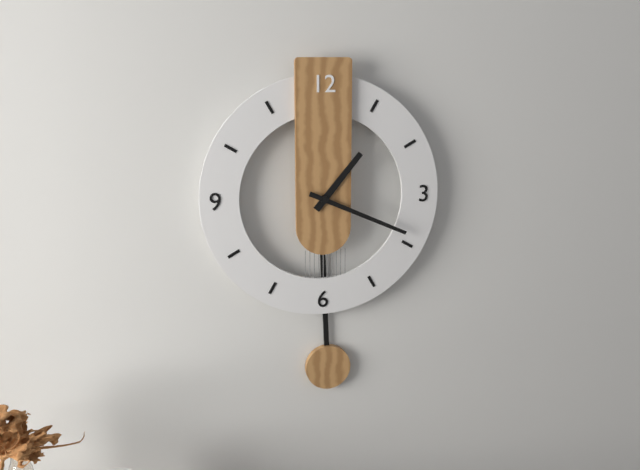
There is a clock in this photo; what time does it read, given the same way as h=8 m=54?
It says h=1 m=19
